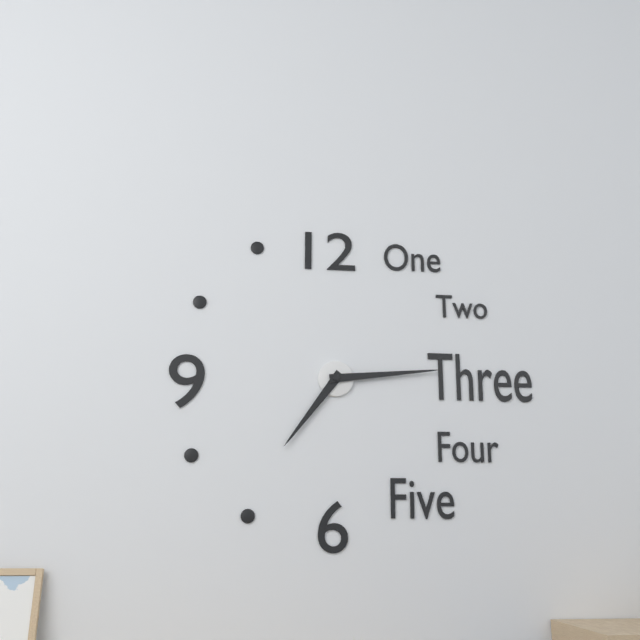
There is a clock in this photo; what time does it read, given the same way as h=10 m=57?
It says h=7 m=14
